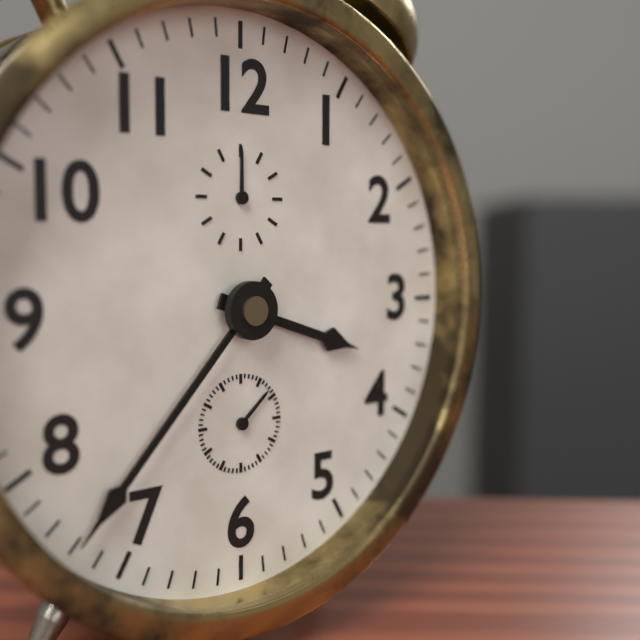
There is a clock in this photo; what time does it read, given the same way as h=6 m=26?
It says h=3 m=37
